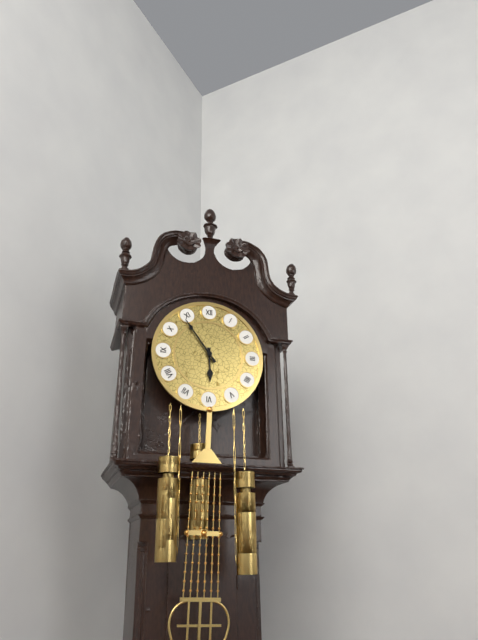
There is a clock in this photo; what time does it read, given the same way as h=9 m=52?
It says h=5 m=54
